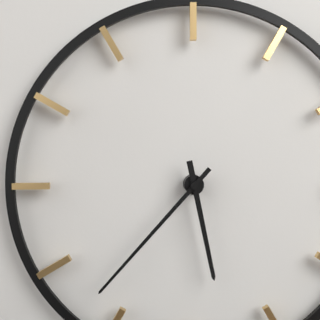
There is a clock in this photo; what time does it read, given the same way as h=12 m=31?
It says h=5 m=37
